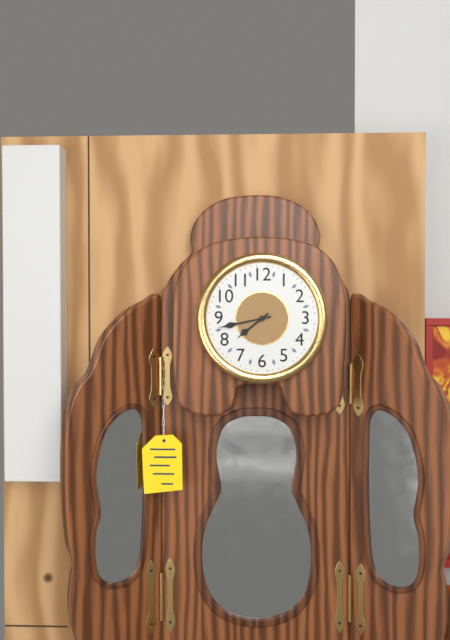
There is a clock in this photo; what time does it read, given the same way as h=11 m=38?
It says h=7 m=43
